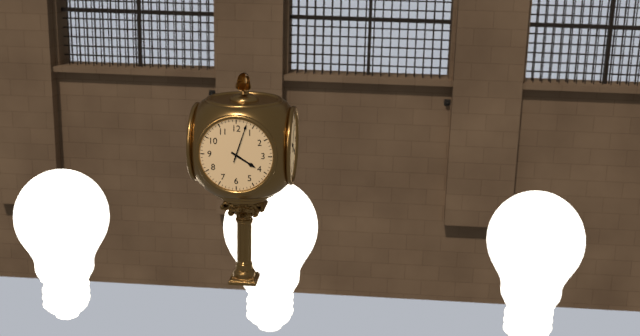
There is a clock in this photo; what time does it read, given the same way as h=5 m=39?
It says h=4 m=3
